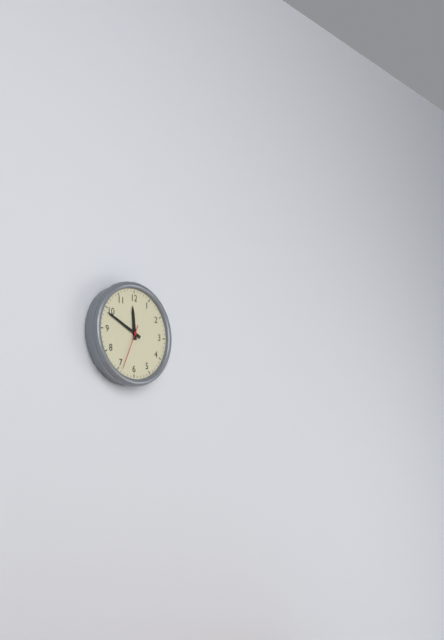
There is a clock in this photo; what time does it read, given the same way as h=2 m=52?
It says h=11 m=49
